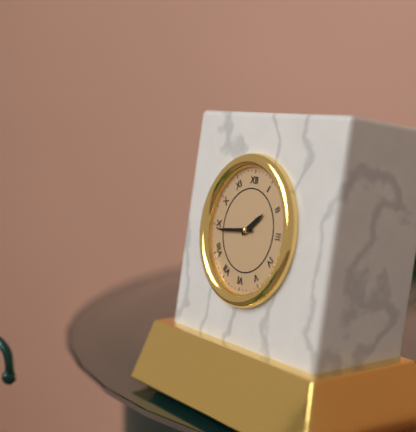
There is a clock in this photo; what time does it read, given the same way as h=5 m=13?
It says h=1 m=44
